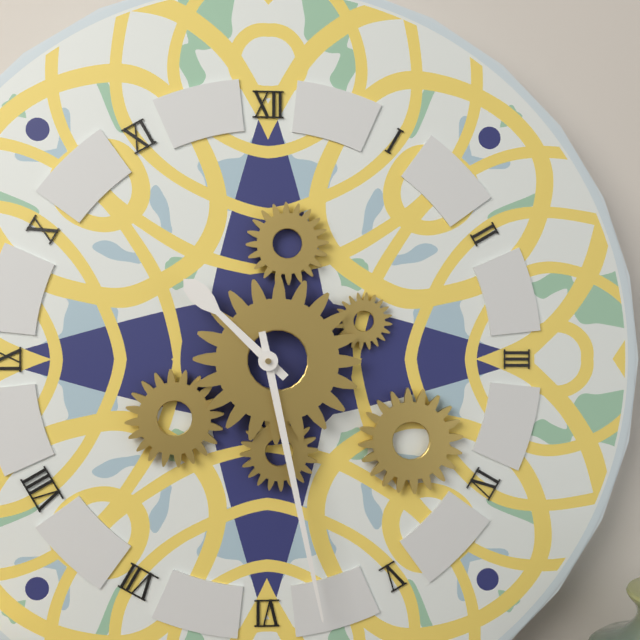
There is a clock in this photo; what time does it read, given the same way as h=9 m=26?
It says h=10 m=28
